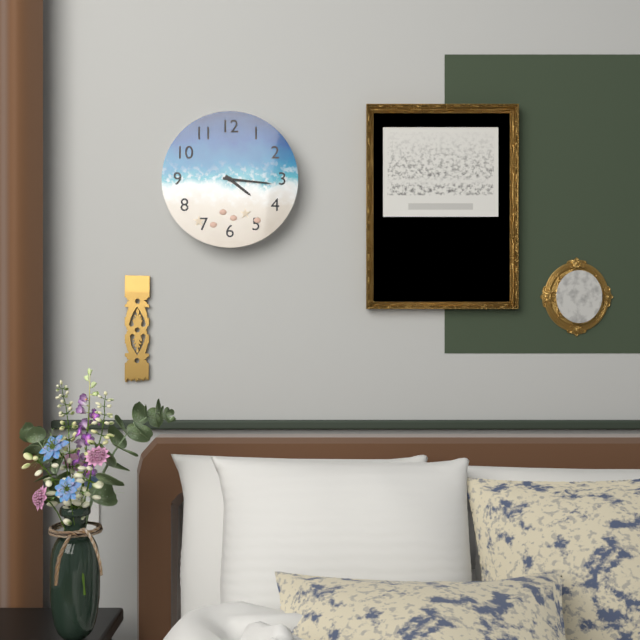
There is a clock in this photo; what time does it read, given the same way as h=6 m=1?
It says h=4 m=16
